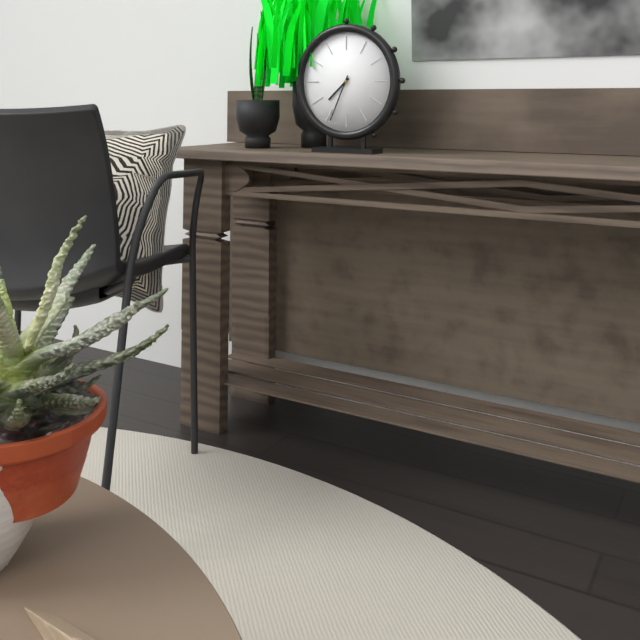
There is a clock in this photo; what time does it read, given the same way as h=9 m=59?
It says h=7 m=34
